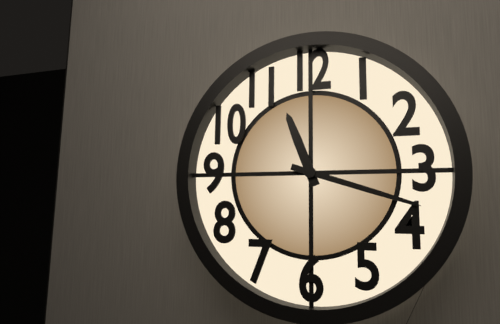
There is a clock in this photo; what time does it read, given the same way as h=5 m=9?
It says h=11 m=18
